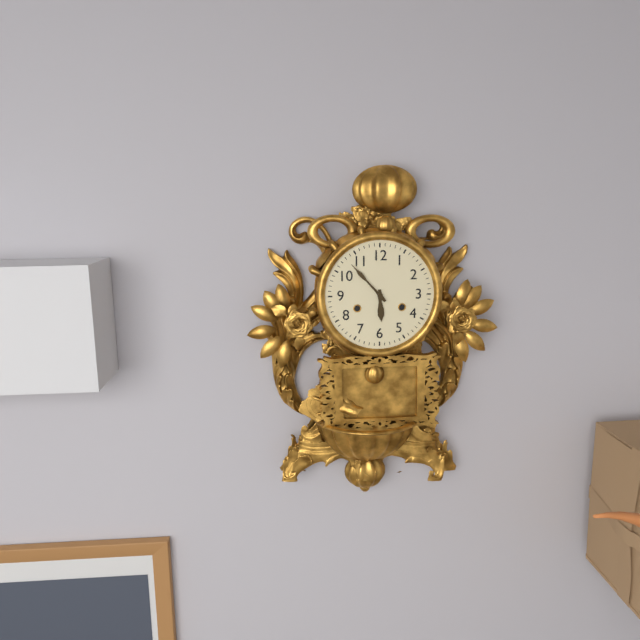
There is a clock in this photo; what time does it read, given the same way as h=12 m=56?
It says h=5 m=53
